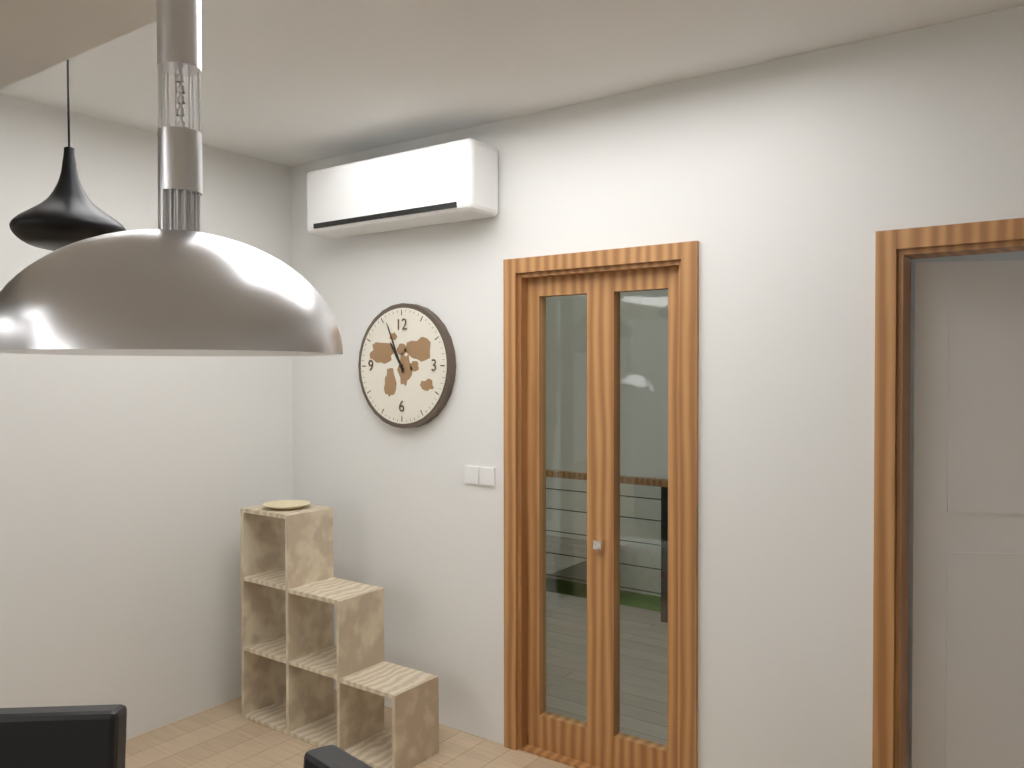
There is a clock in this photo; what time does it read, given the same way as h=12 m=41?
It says h=10 m=56
